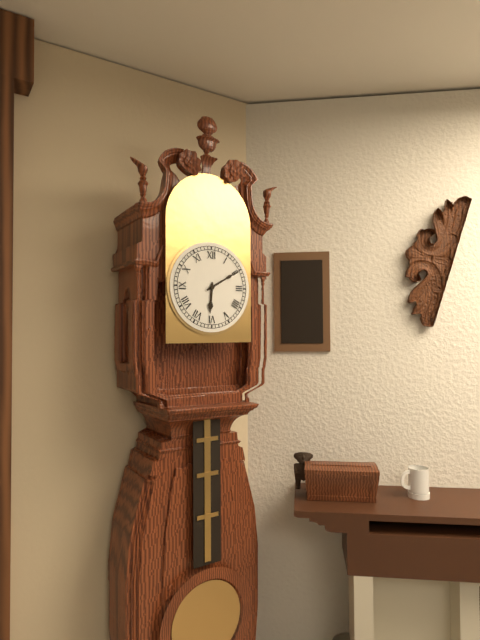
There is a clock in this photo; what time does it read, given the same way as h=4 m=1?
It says h=6 m=10
